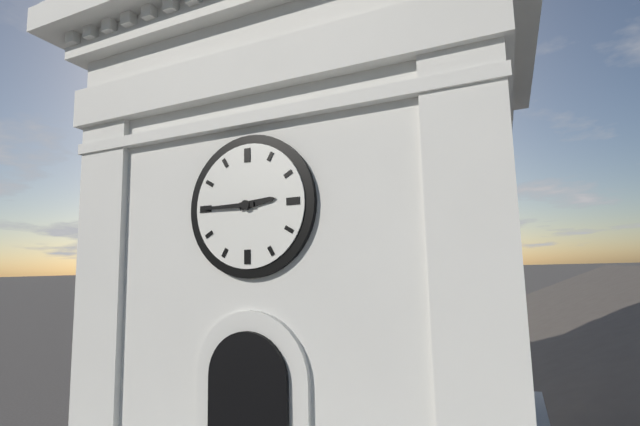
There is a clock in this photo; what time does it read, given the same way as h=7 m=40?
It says h=2 m=45
